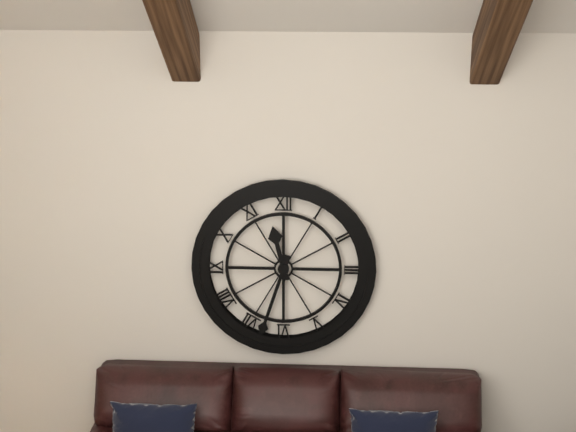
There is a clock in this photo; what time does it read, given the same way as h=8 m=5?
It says h=11 m=33
